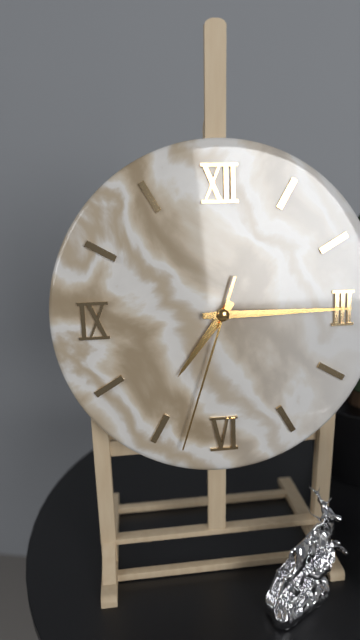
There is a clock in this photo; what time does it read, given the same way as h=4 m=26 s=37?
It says h=7 m=15 s=33
